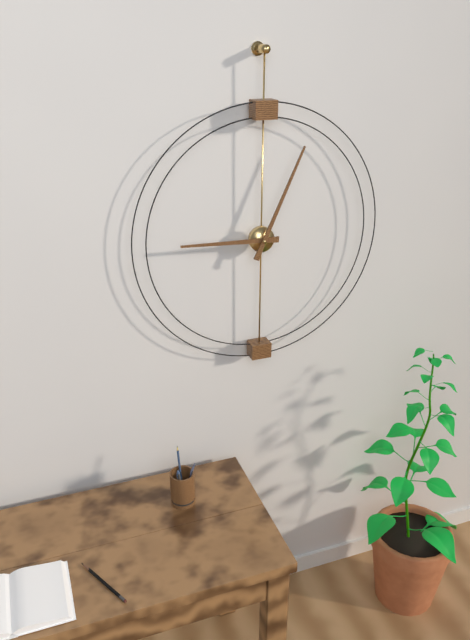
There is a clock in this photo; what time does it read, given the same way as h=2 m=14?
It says h=9 m=4
